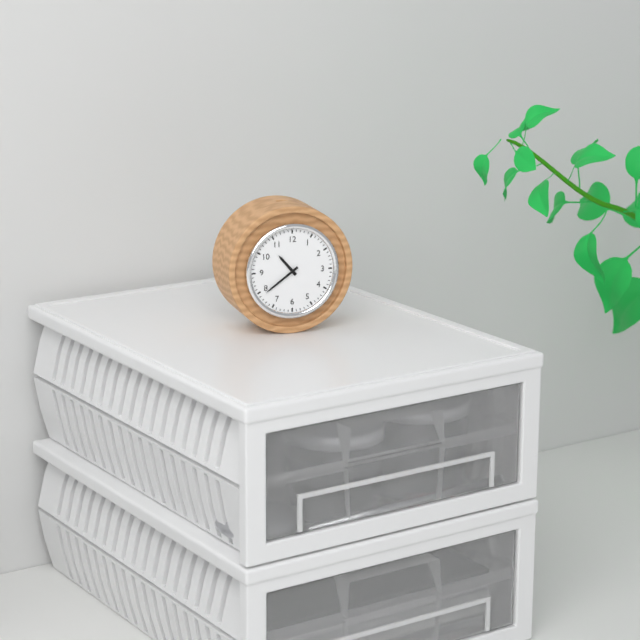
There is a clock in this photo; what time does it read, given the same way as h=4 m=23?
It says h=10 m=39
